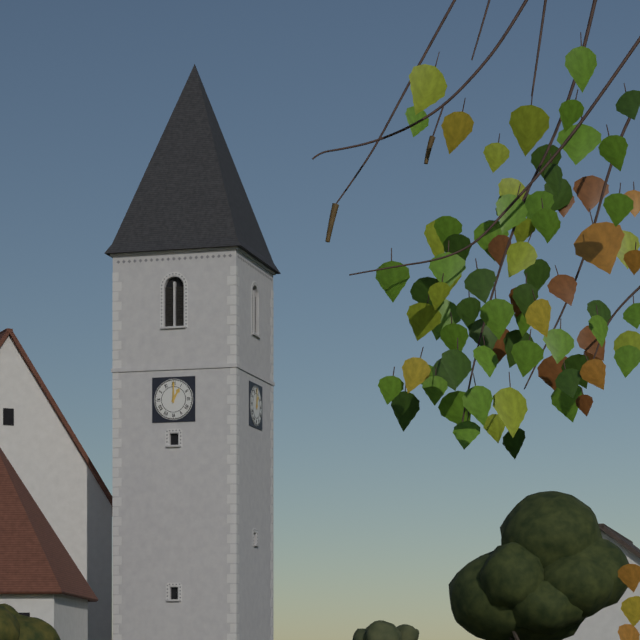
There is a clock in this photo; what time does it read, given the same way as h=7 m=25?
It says h=1 m=0
